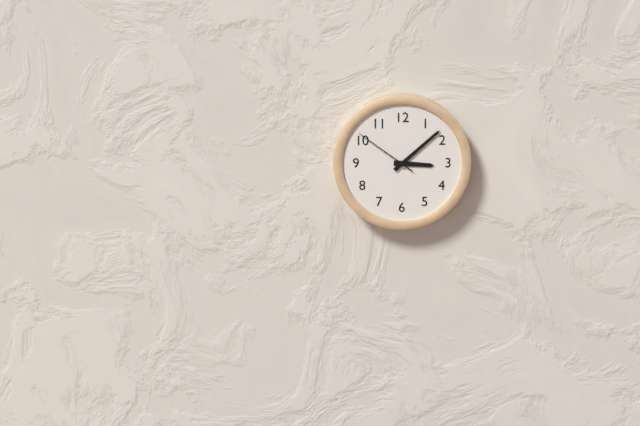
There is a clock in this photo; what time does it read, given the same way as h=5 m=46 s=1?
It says h=3 m=8 s=51
